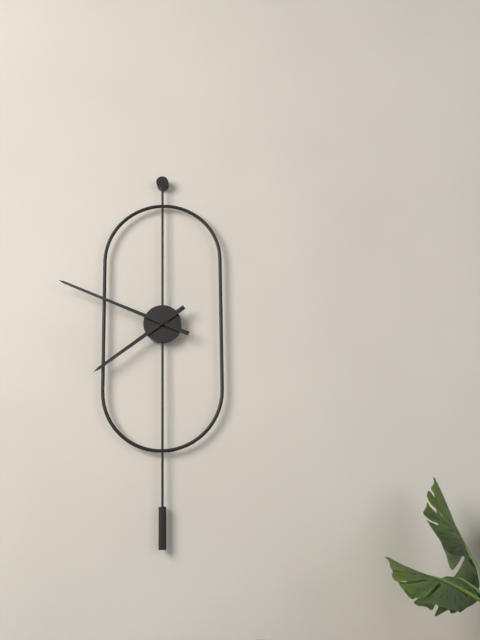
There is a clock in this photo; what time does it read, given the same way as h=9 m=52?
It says h=7 m=49
